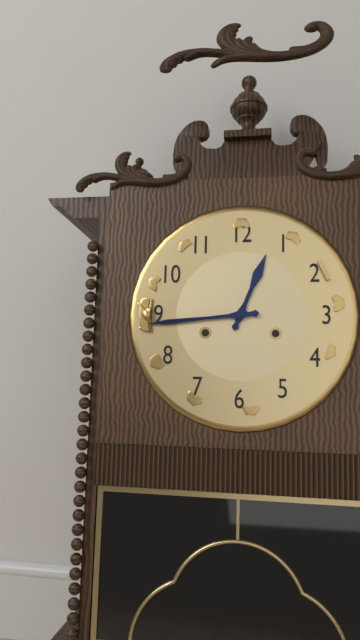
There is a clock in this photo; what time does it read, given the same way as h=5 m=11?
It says h=12 m=44
